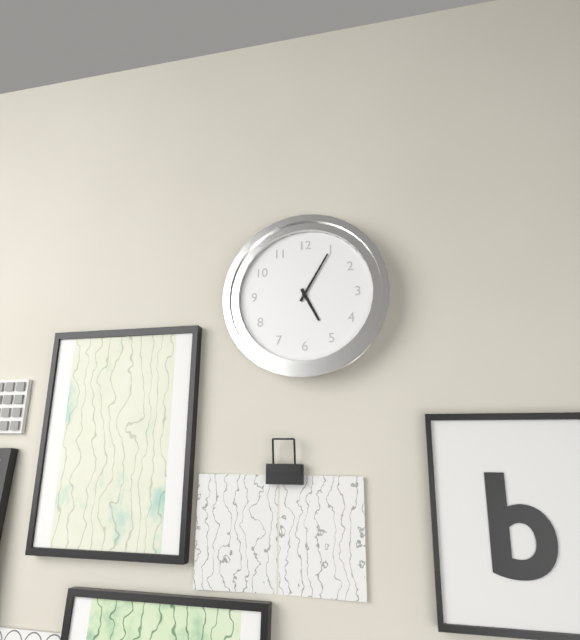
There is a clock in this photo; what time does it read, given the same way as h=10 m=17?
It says h=5 m=5
